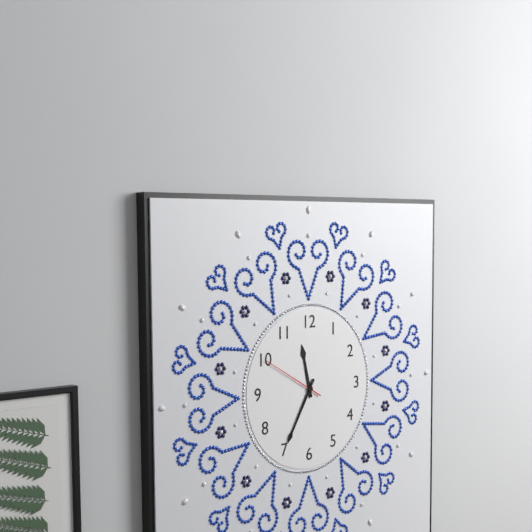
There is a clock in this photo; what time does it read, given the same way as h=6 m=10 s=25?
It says h=11 m=35 s=50
